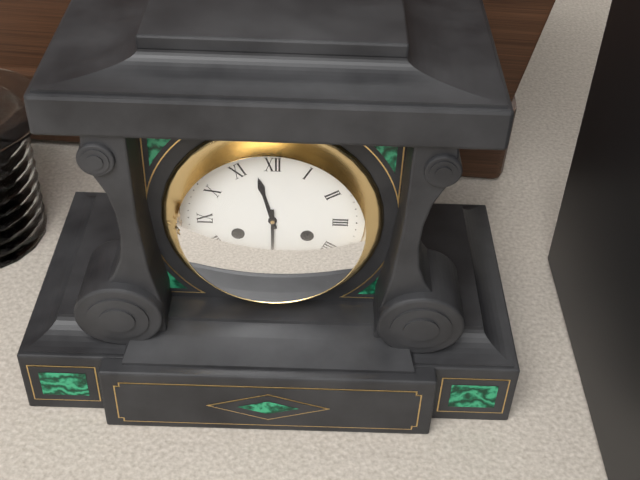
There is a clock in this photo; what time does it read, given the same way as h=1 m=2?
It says h=11 m=30
